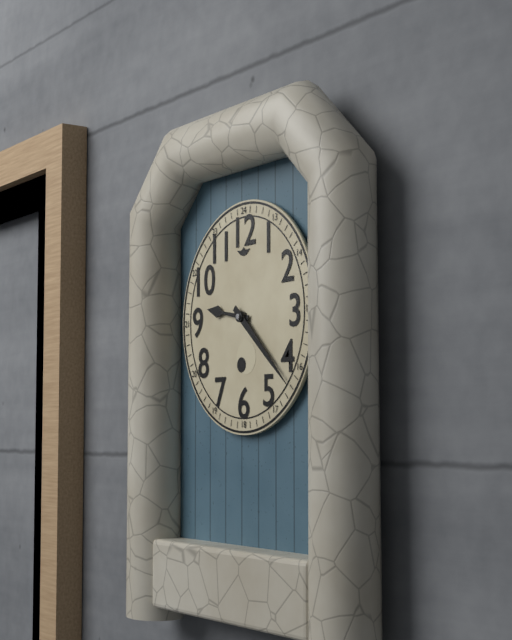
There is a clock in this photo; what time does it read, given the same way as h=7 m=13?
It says h=9 m=22
